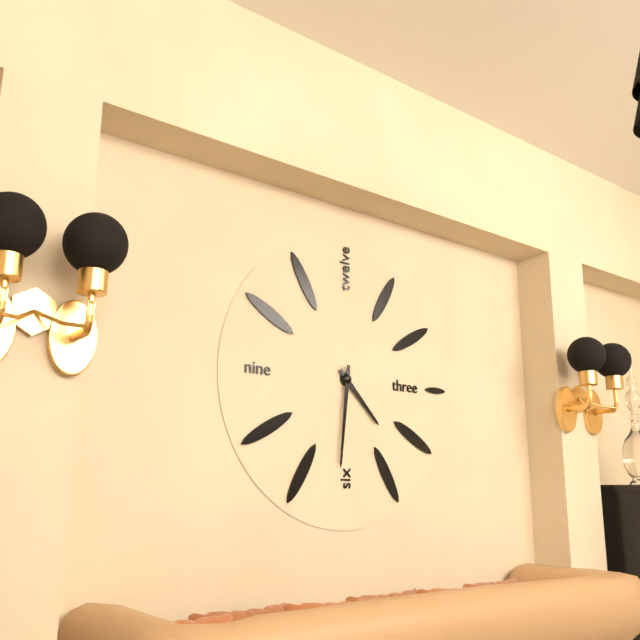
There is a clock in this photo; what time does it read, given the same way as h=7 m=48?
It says h=4 m=31
